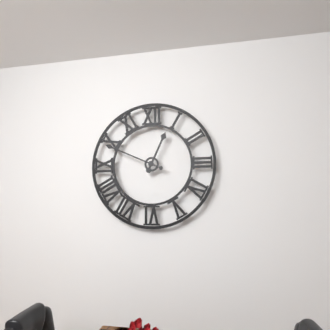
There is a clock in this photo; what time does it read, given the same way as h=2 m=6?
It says h=12 m=49
